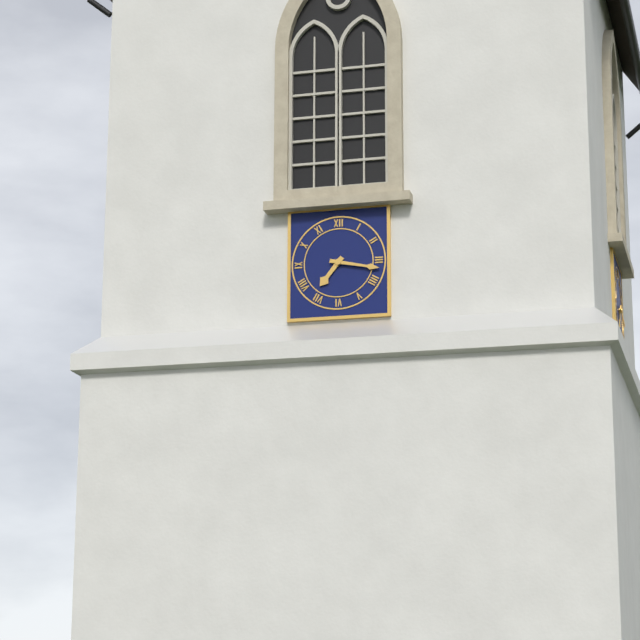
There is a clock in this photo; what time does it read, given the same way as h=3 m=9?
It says h=7 m=17
